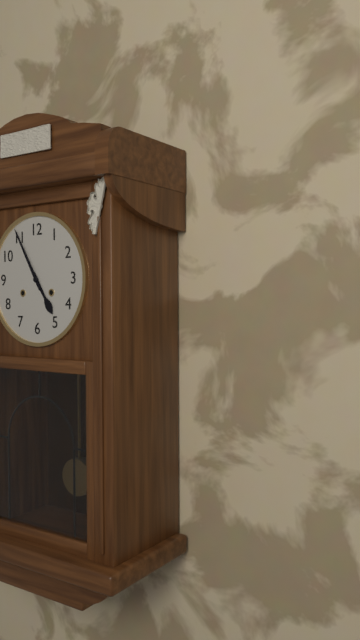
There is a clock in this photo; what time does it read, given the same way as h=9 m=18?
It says h=4 m=55
